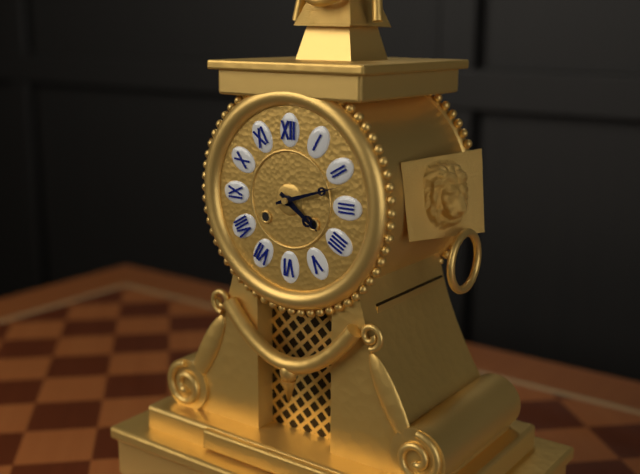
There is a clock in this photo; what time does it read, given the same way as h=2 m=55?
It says h=4 m=12
